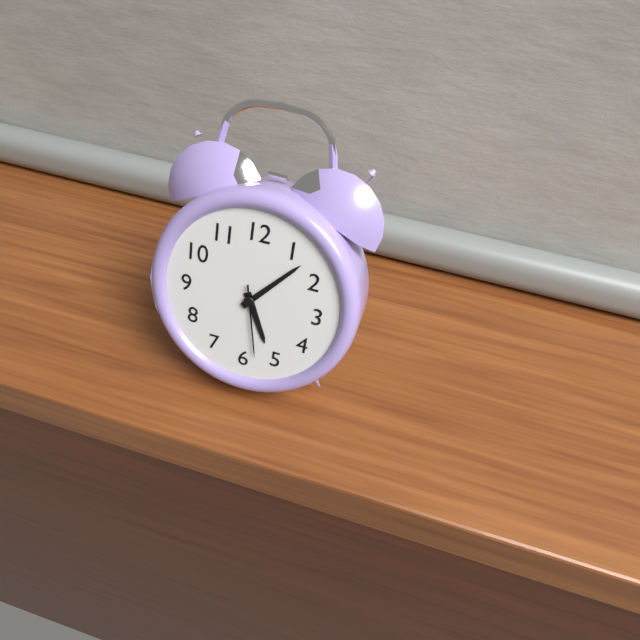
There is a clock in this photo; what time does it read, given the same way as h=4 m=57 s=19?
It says h=5 m=7 s=28
